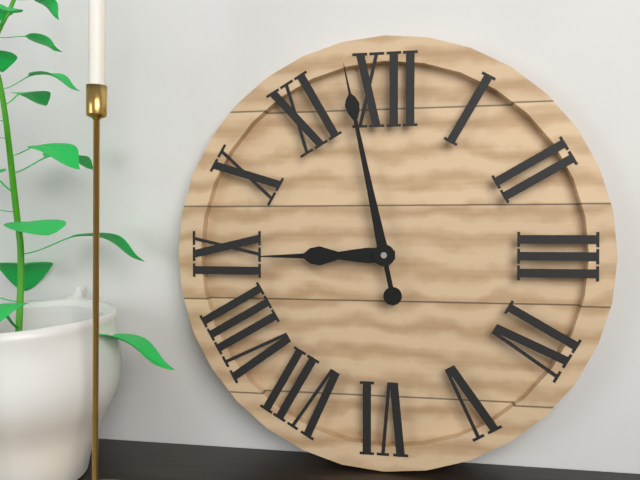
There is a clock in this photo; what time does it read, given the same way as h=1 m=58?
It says h=8 m=58
